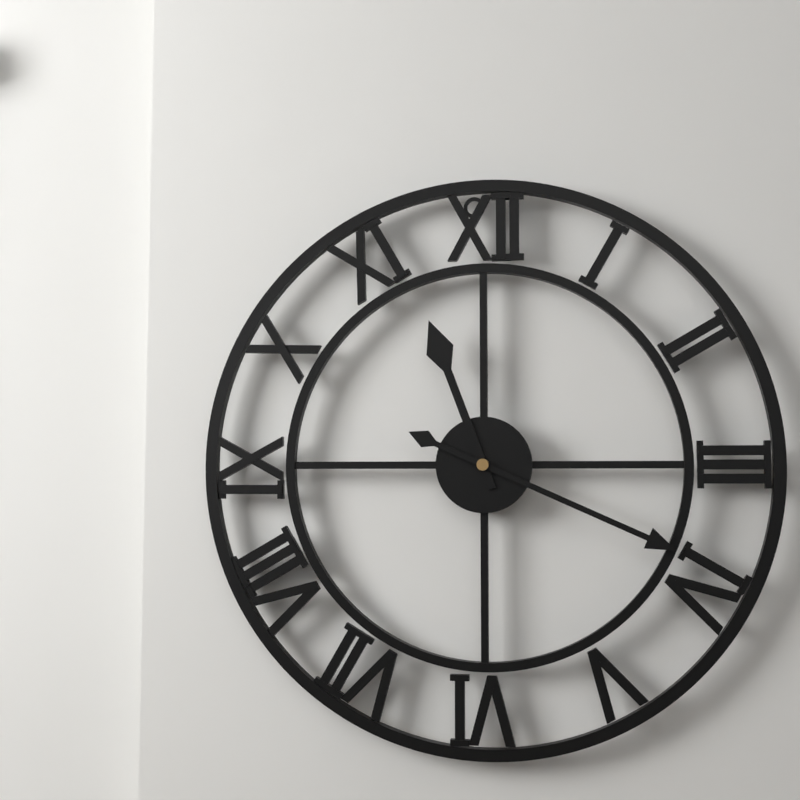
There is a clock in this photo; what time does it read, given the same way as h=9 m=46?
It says h=11 m=19
